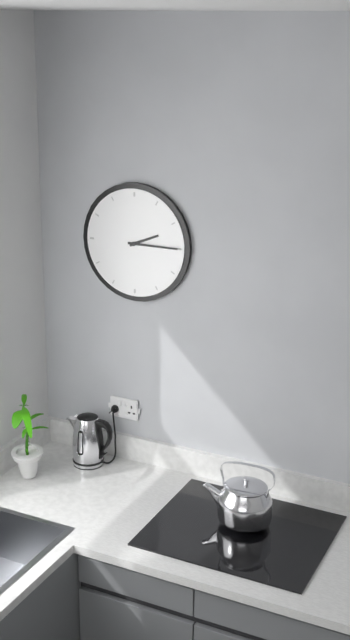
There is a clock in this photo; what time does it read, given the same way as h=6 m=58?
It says h=2 m=15
